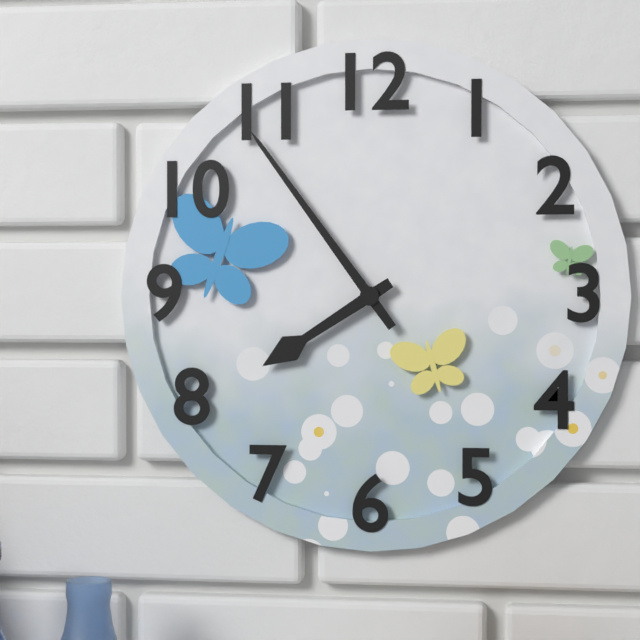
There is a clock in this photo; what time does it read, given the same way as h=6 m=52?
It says h=7 m=54
